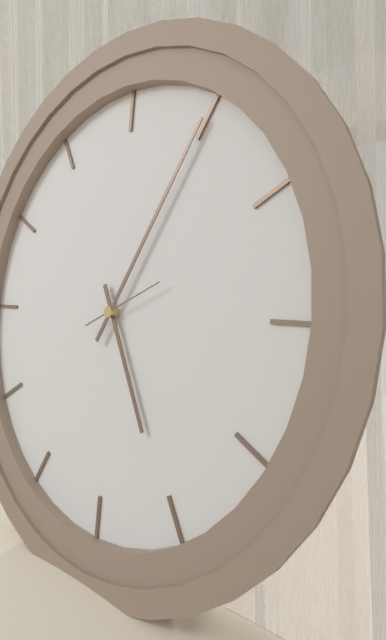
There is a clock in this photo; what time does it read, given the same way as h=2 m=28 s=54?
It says h=5 m=5 s=11
